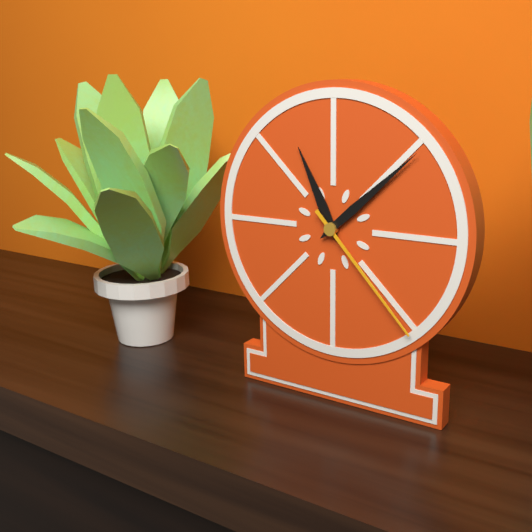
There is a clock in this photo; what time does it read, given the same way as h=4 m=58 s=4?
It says h=11 m=8 s=23
